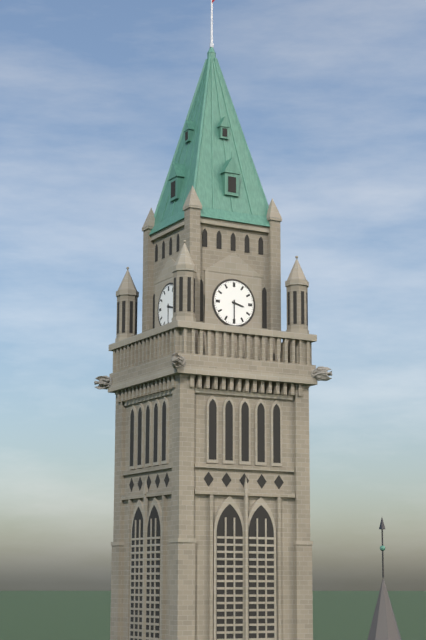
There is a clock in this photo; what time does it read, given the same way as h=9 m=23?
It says h=3 m=30
